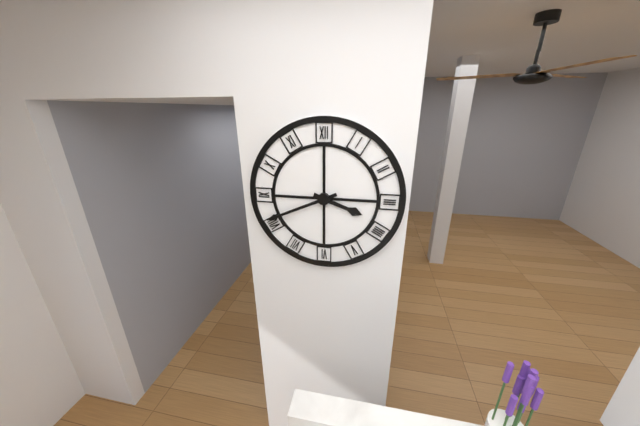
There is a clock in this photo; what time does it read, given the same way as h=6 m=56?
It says h=3 m=41
